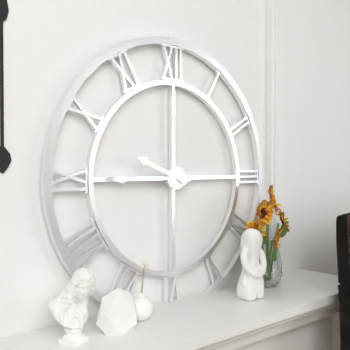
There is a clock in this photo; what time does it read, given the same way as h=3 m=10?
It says h=9 m=45
